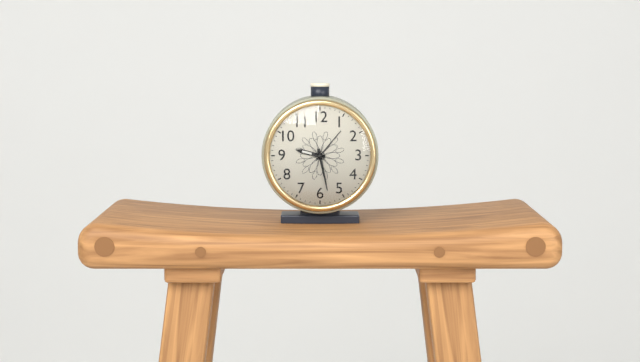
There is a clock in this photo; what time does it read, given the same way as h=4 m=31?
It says h=9 m=28
